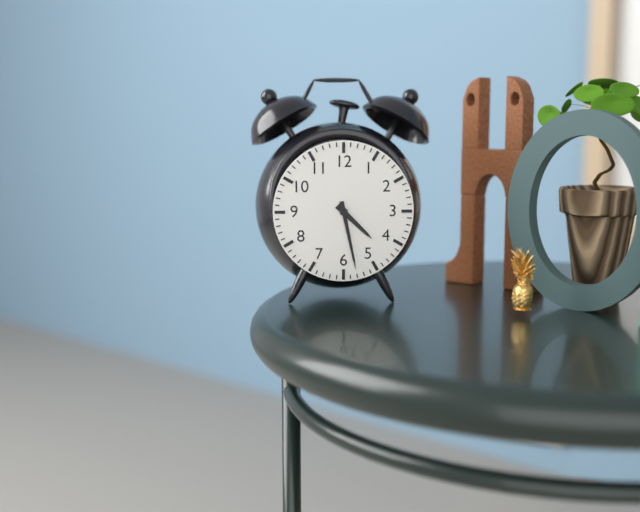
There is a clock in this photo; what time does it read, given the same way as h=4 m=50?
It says h=4 m=28
